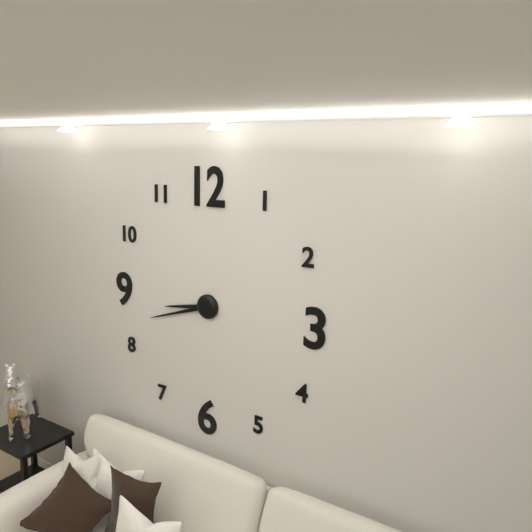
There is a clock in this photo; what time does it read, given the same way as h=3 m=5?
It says h=8 m=42
